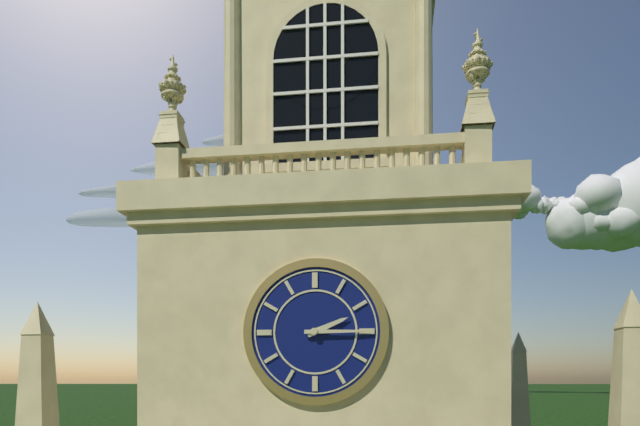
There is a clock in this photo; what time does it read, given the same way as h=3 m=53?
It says h=2 m=15
